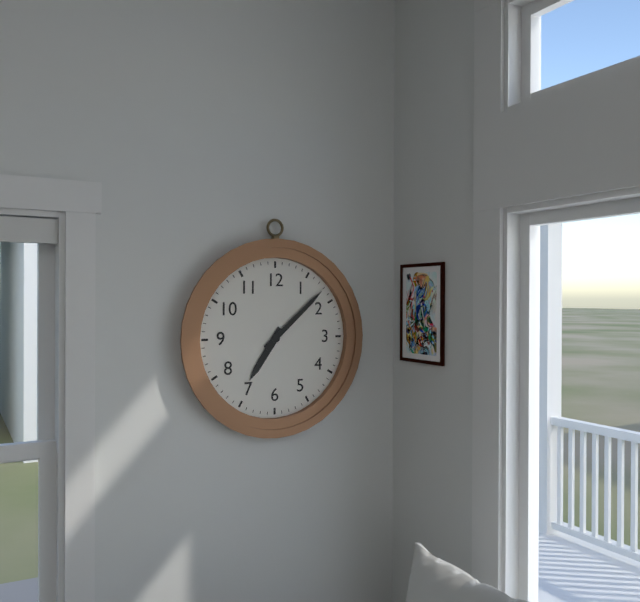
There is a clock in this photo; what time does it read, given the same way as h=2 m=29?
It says h=7 m=8
